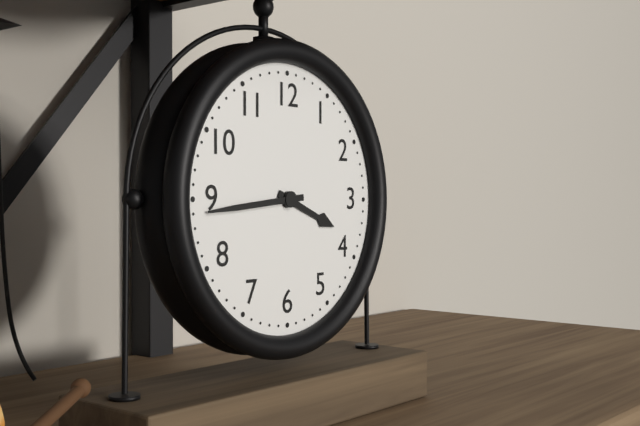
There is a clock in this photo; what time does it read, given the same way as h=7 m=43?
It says h=3 m=44
